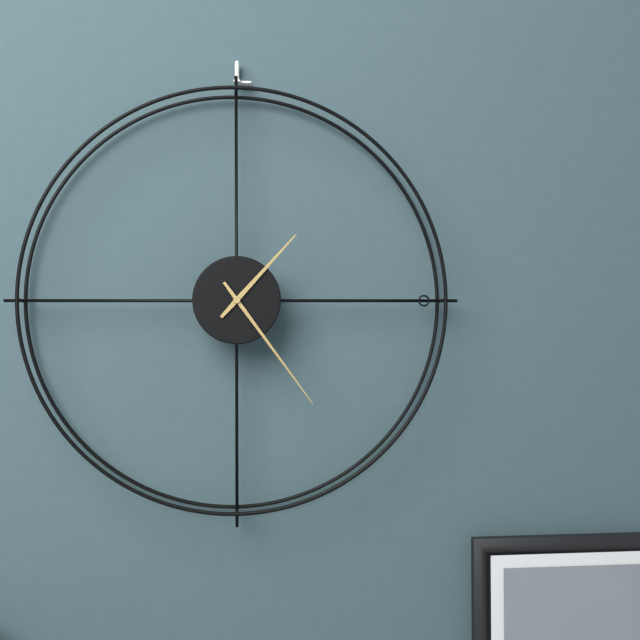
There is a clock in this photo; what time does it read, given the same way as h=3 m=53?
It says h=1 m=24
